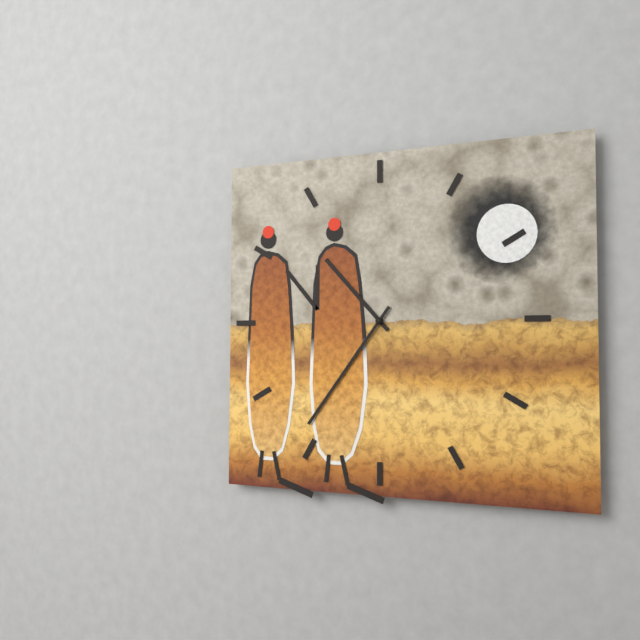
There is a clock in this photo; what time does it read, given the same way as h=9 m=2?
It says h=10 m=36
